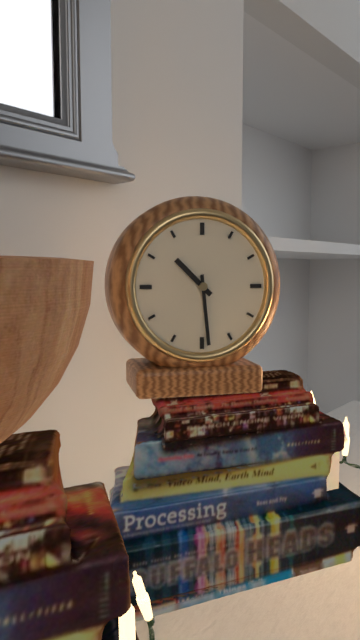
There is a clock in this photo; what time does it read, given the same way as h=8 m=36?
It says h=10 m=29
